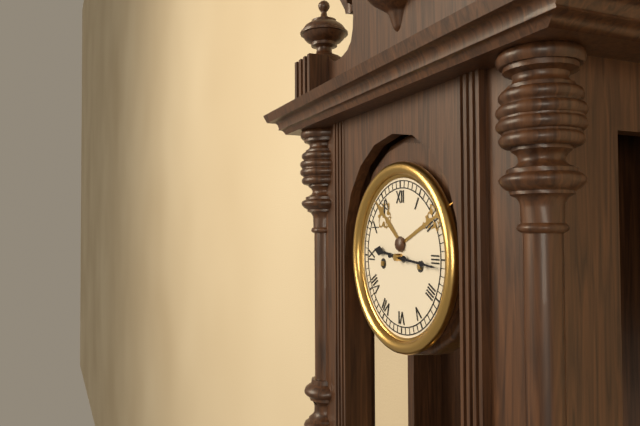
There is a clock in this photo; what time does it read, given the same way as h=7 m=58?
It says h=9 m=16
